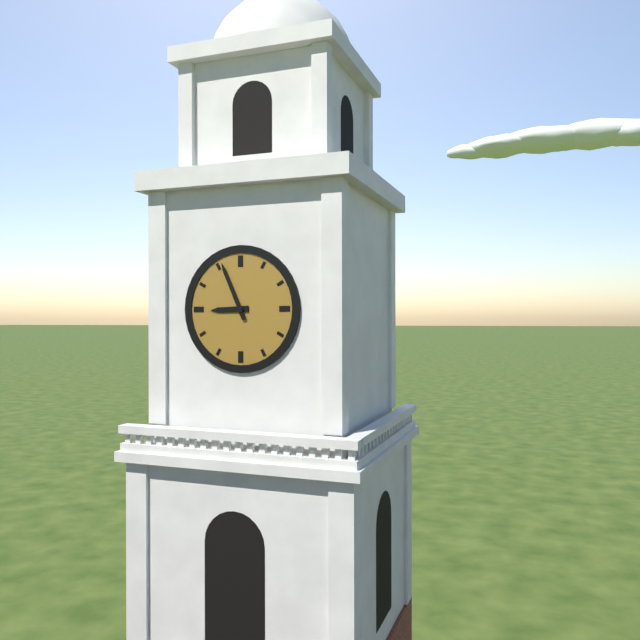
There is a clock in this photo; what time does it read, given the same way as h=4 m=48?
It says h=8 m=56
